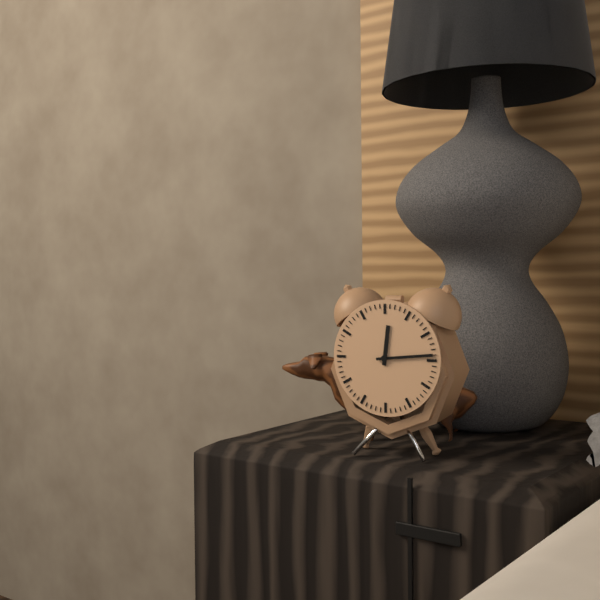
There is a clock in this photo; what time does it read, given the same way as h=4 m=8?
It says h=12 m=14
